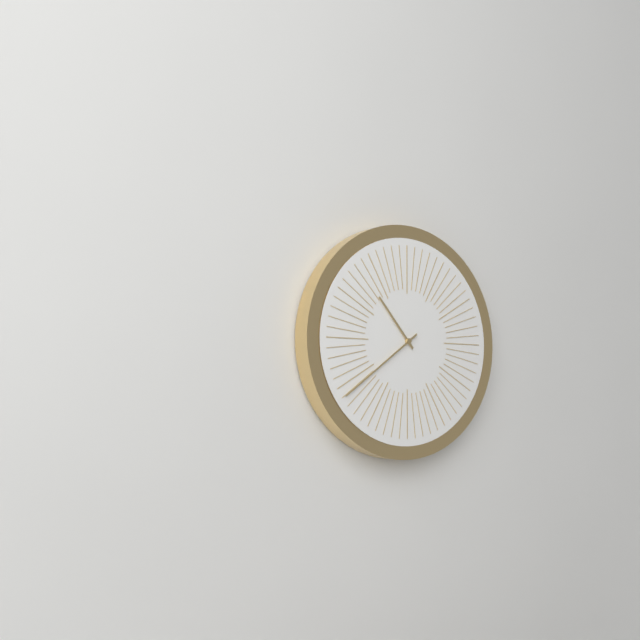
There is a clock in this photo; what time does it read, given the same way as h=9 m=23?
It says h=10 m=39
